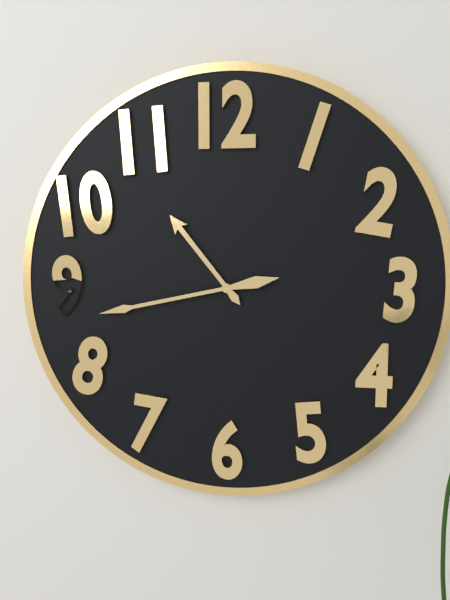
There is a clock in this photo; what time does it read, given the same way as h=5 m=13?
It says h=10 m=43
